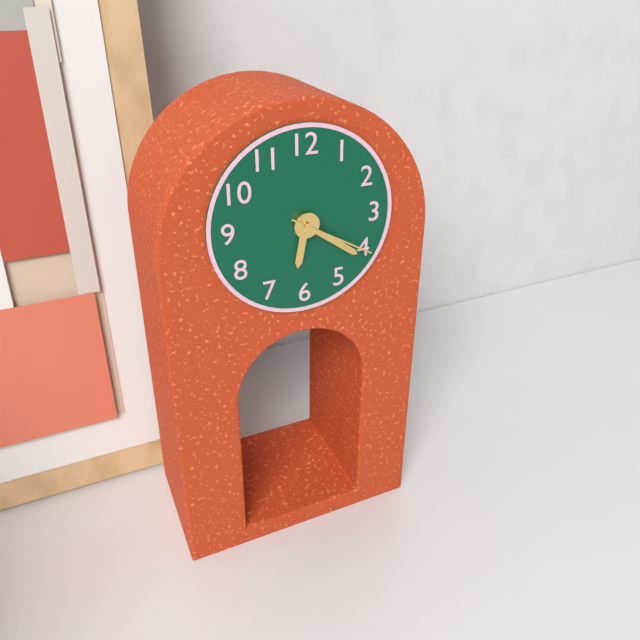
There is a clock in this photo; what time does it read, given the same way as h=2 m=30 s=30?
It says h=6 m=21 s=20
